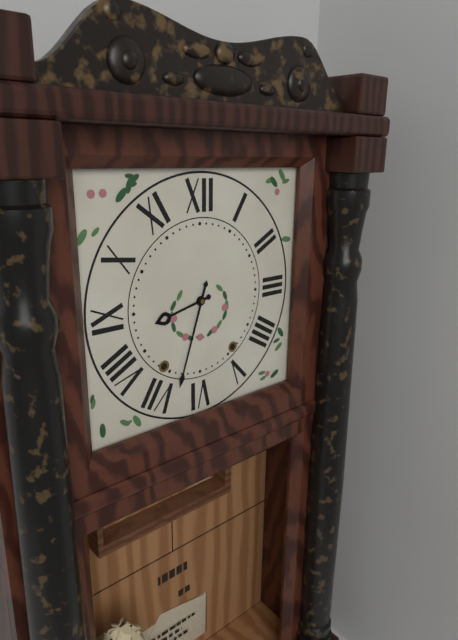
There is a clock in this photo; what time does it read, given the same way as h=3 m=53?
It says h=8 m=33
